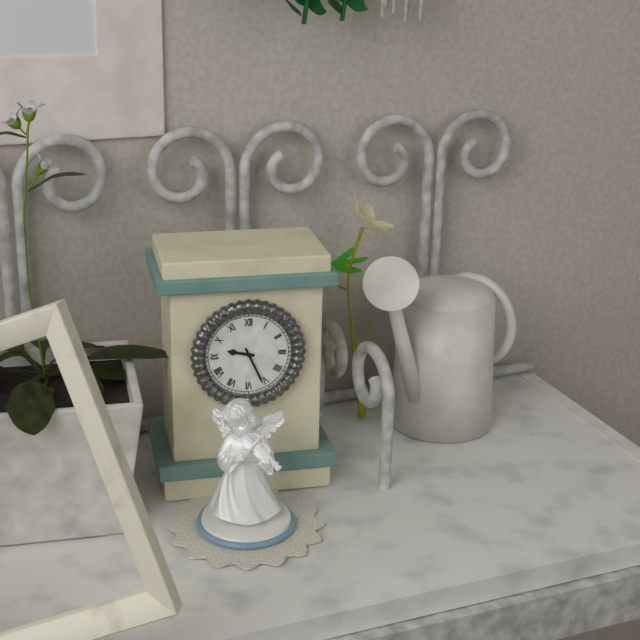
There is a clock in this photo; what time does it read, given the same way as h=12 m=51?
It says h=9 m=26
